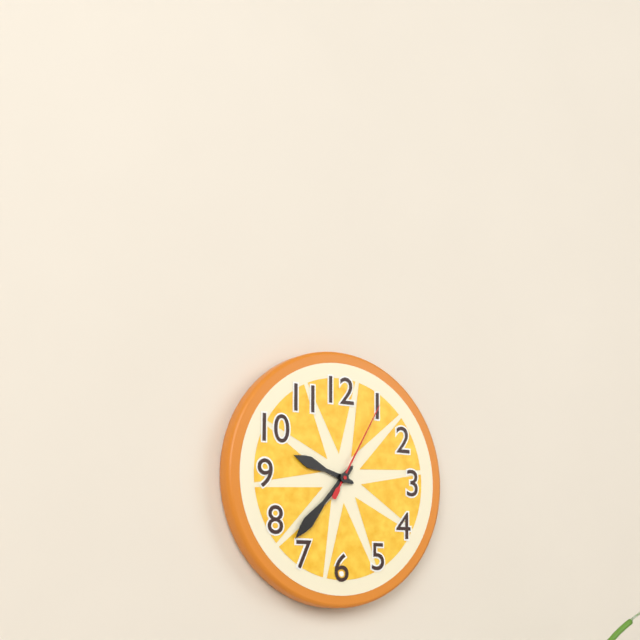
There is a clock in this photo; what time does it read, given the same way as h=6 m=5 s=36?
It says h=9 m=37 s=5
